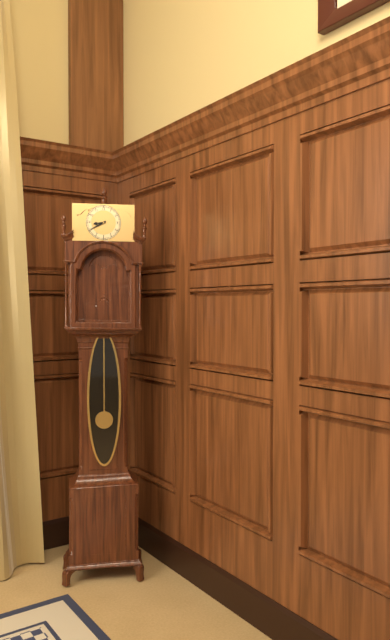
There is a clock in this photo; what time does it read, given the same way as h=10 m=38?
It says h=8 m=40
